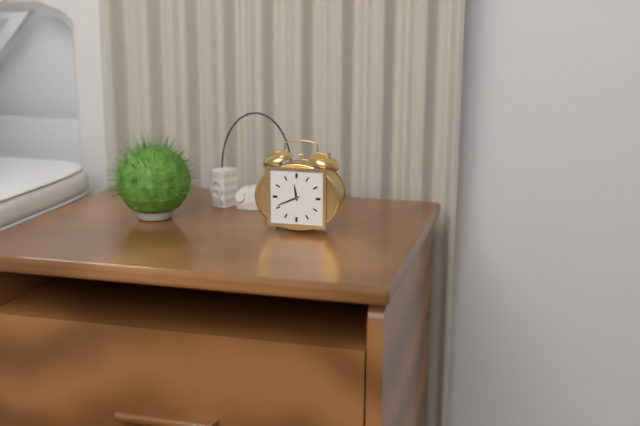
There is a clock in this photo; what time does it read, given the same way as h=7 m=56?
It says h=11 m=41
